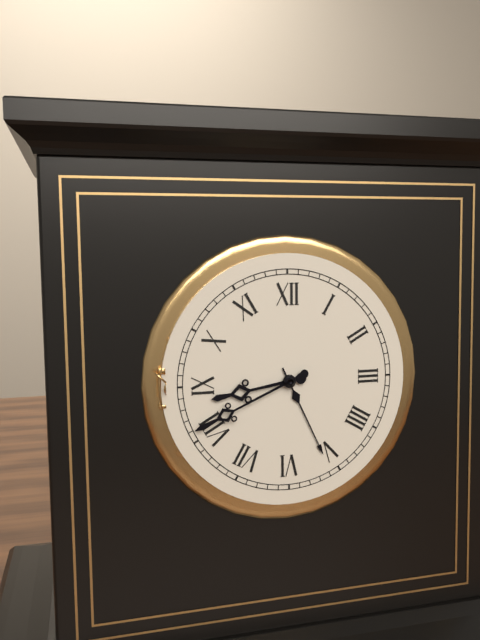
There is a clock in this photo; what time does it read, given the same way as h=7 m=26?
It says h=8 m=41
